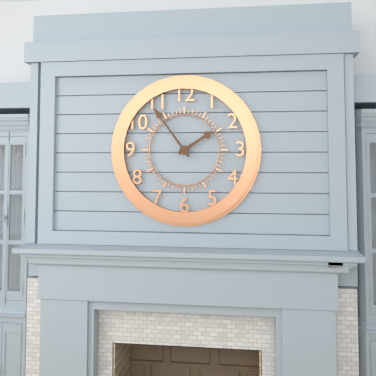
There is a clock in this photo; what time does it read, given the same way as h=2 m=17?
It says h=1 m=54
